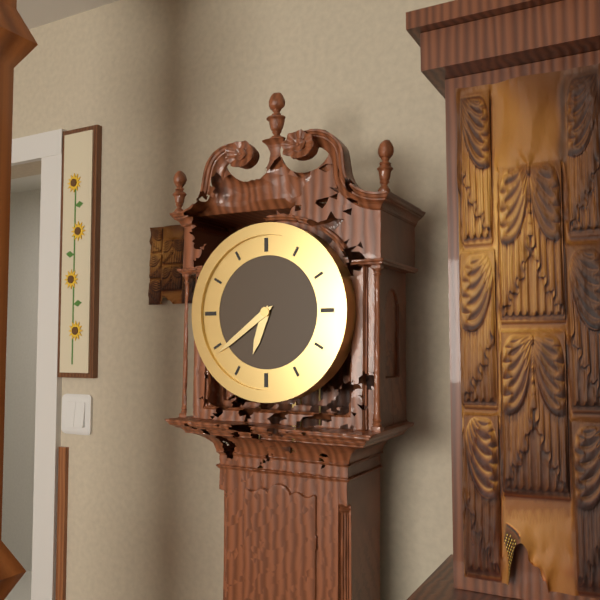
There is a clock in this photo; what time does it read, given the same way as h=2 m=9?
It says h=6 m=39
